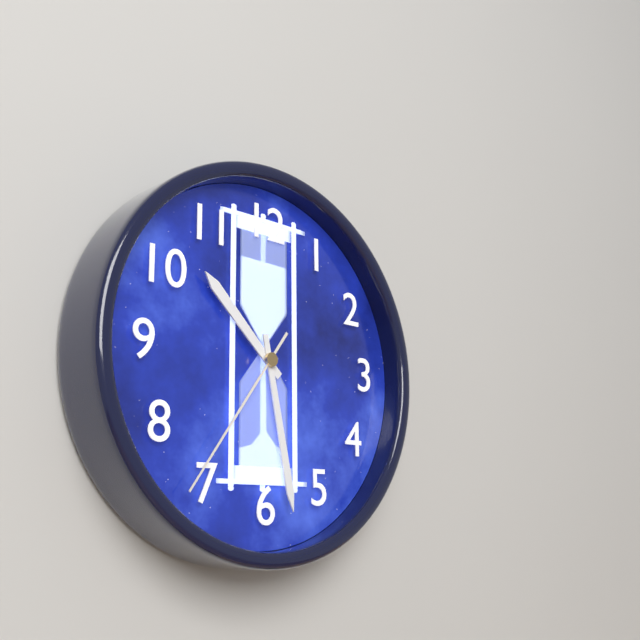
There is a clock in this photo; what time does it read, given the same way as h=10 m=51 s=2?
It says h=10 m=28 s=36
